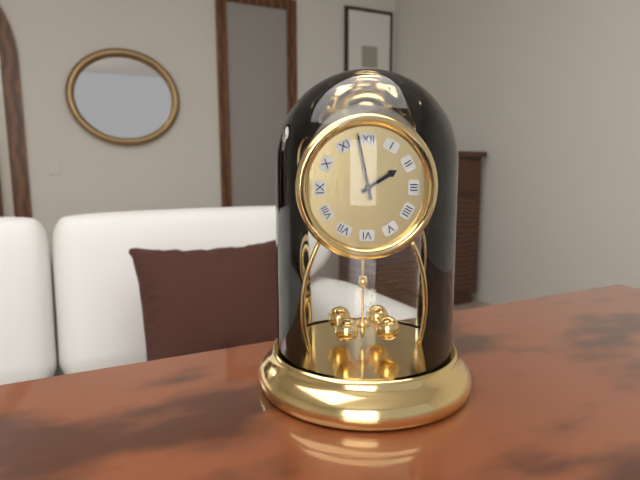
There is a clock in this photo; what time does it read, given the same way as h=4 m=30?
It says h=1 m=58
